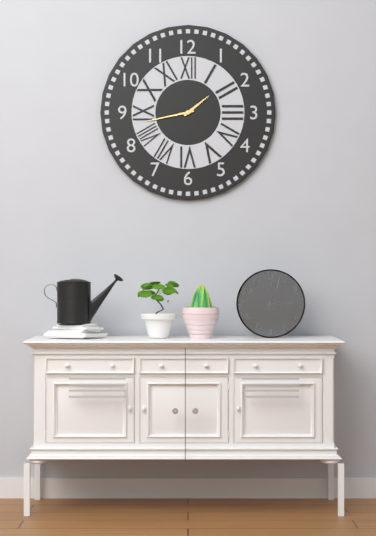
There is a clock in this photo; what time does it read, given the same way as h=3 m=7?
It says h=1 m=43
